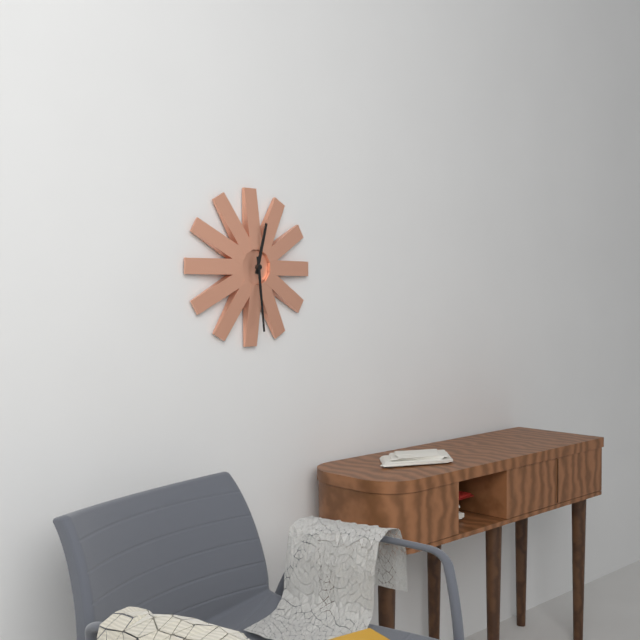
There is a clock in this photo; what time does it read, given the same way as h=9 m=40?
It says h=12 m=29
